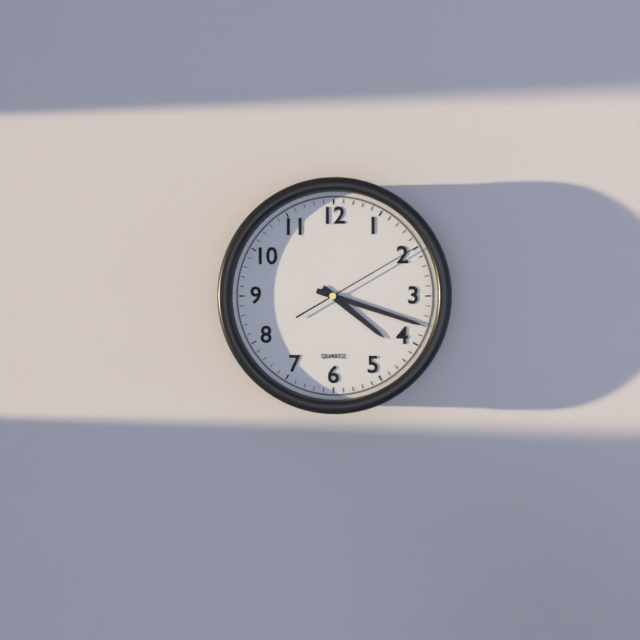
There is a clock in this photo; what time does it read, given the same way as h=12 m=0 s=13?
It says h=4 m=18 s=10
